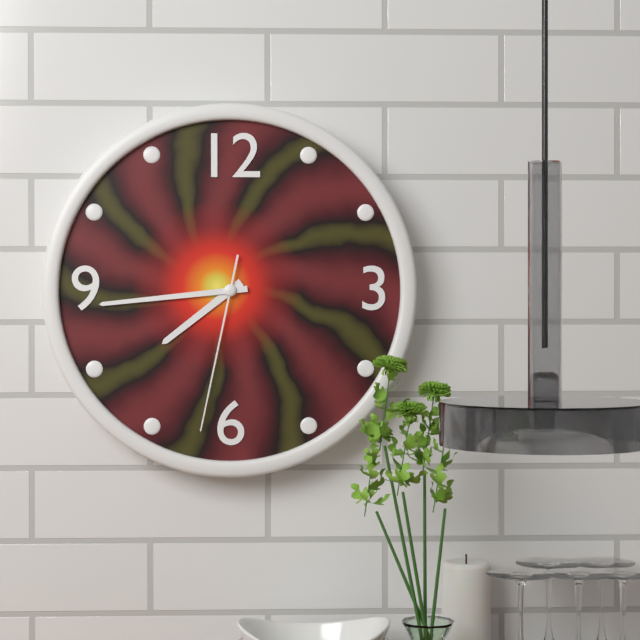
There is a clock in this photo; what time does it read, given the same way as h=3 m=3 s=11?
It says h=7 m=44 s=32
